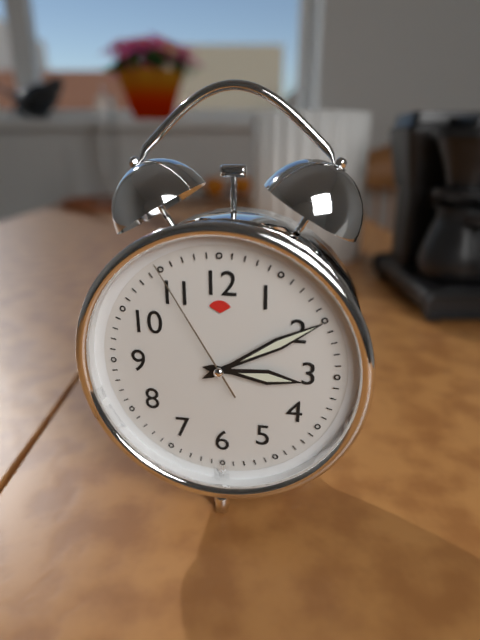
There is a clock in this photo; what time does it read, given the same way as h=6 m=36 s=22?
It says h=3 m=10 s=55
